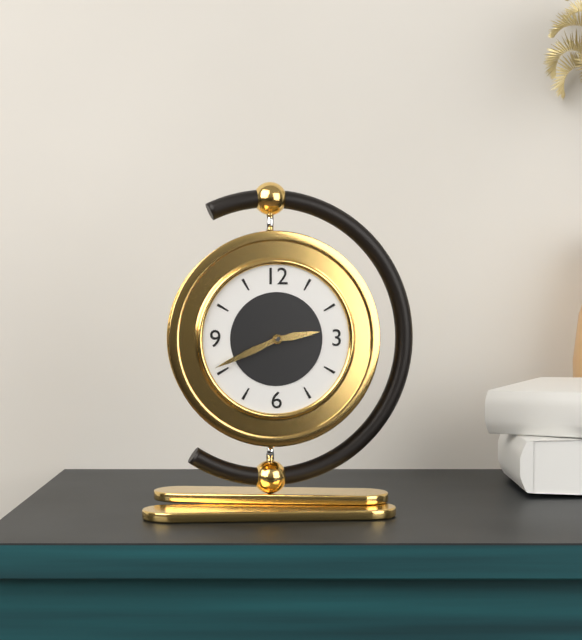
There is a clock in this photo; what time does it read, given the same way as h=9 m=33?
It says h=2 m=41
